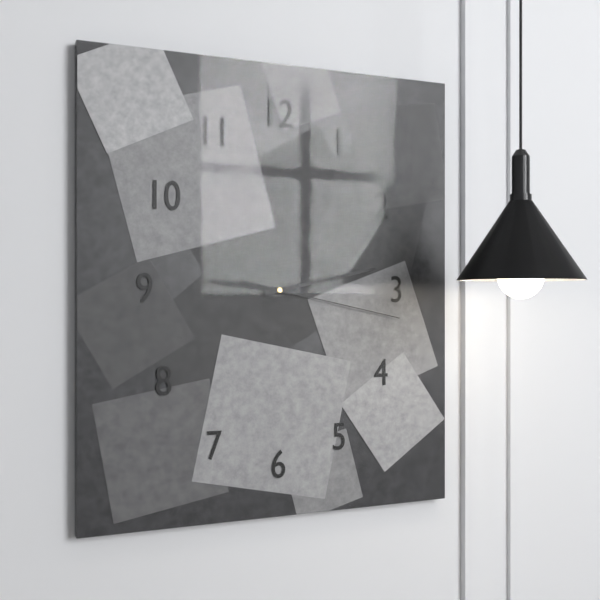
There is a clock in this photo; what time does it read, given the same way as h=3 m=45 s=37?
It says h=9 m=13 s=17
